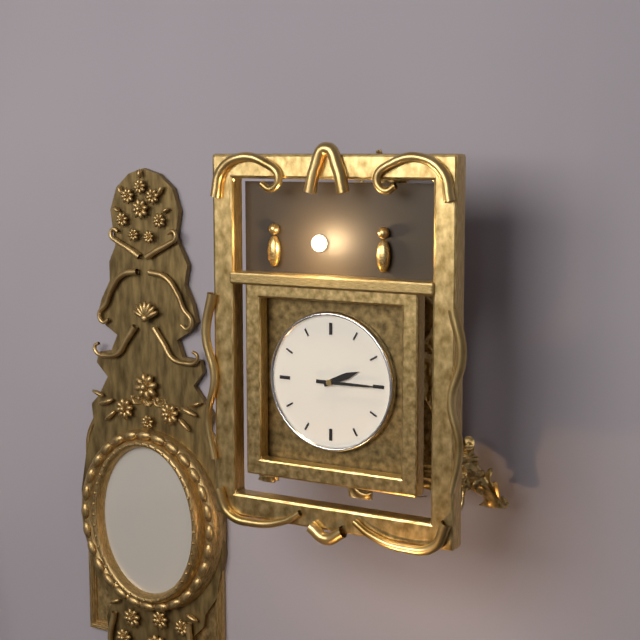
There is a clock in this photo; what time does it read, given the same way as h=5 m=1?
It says h=2 m=15
